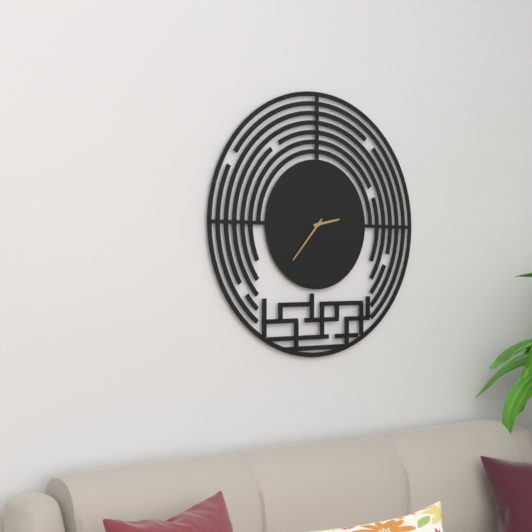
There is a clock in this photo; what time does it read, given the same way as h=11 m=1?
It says h=2 m=37
